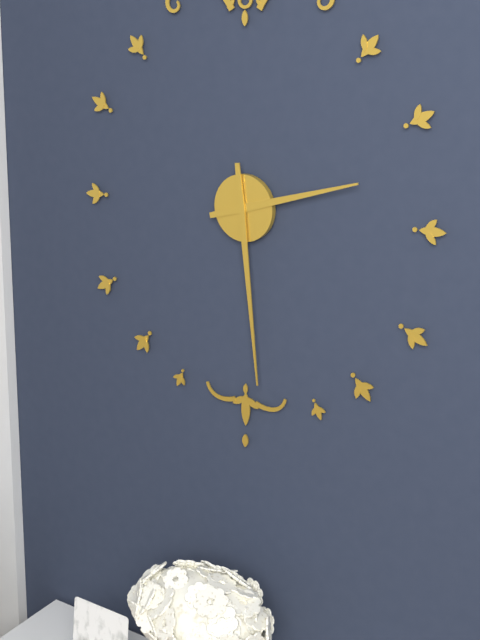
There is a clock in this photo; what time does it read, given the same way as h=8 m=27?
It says h=2 m=29
